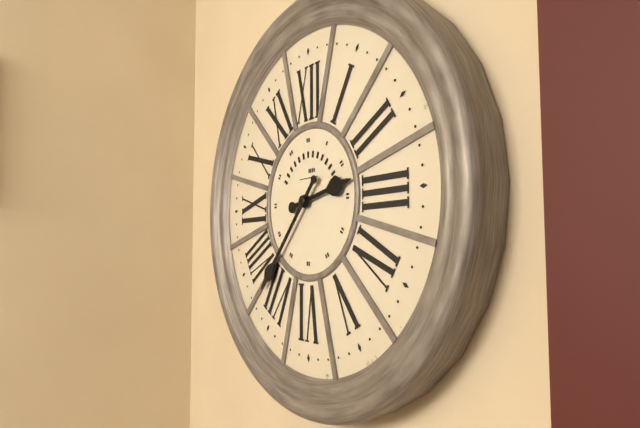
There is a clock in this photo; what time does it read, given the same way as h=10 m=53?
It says h=2 m=37
